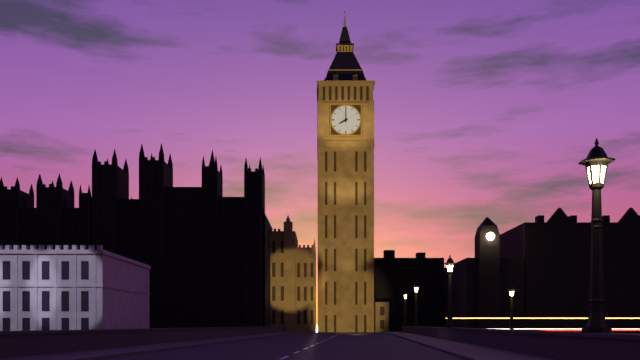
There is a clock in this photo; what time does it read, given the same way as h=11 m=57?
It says h=8 m=0
